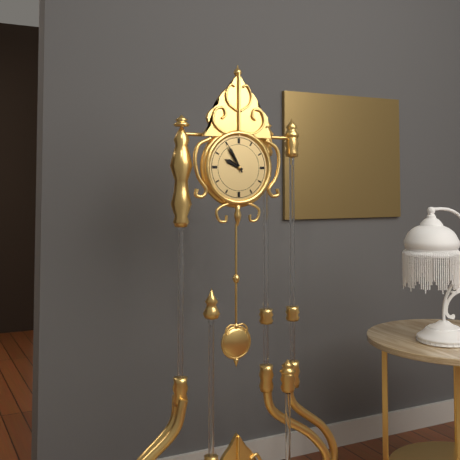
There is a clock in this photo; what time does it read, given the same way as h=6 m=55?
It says h=9 m=55
